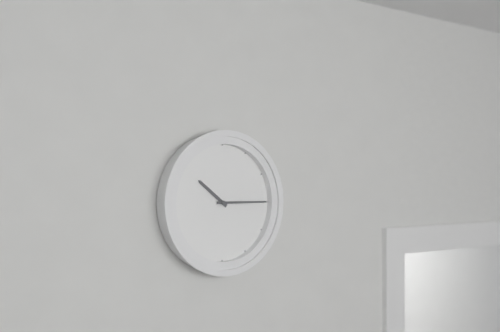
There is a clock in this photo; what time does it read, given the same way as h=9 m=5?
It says h=10 m=15
